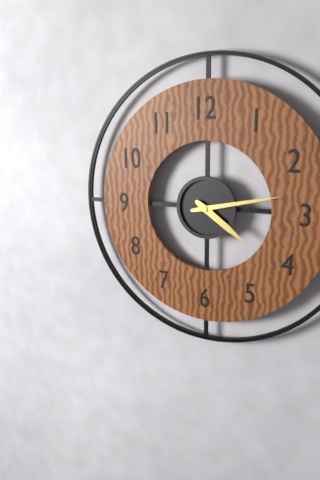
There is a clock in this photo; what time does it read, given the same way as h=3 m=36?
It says h=4 m=13
